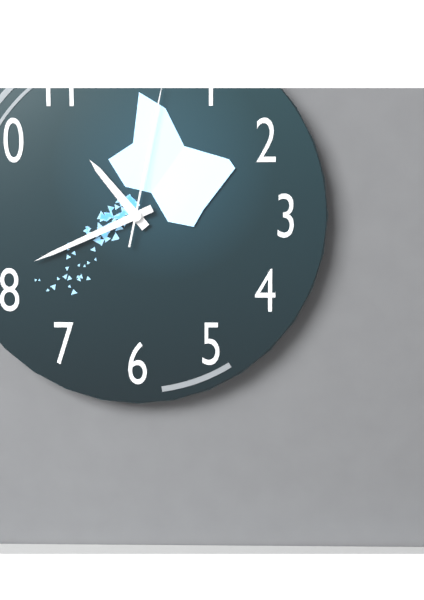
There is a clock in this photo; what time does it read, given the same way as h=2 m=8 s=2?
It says h=10 m=41 s=2
